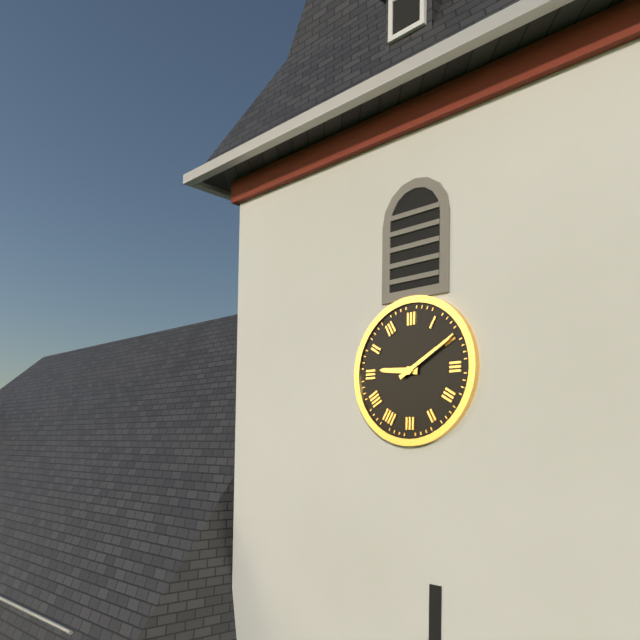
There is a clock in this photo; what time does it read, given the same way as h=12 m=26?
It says h=9 m=10
